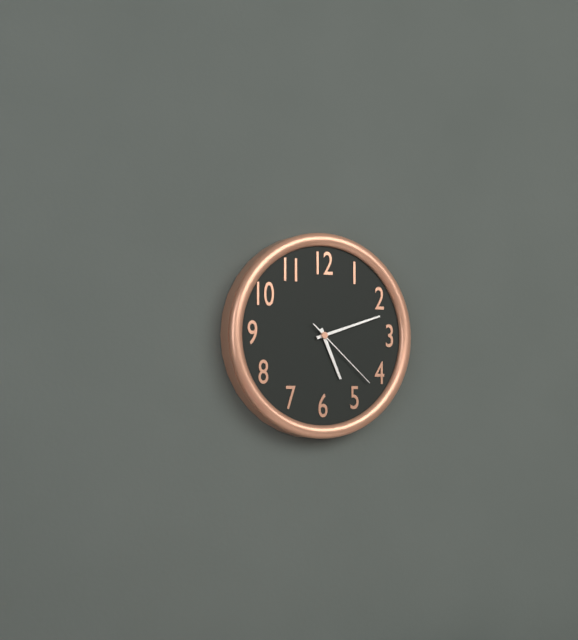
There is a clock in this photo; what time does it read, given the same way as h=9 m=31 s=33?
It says h=5 m=12 s=22
